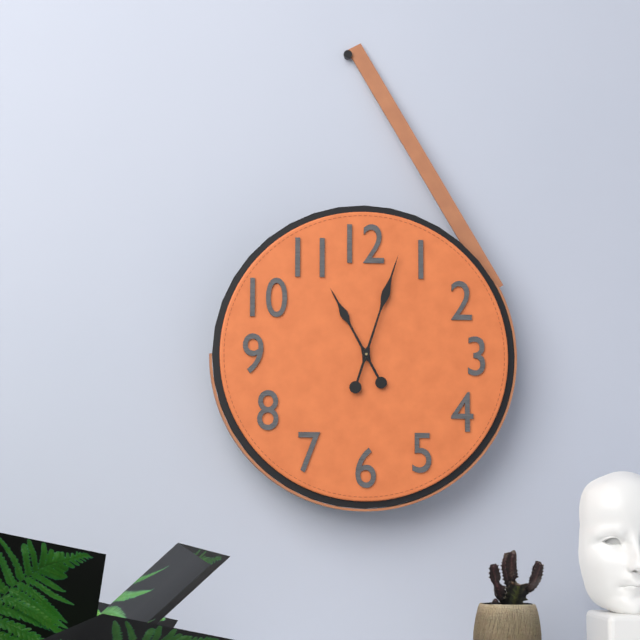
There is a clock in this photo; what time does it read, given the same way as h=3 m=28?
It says h=11 m=3
